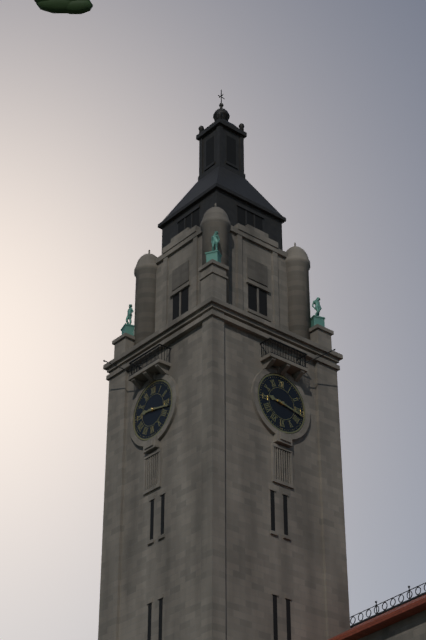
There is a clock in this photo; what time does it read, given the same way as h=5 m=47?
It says h=9 m=17
